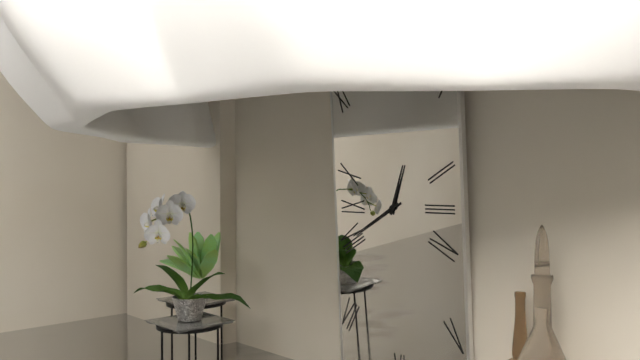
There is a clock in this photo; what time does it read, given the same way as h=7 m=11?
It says h=12 m=40
